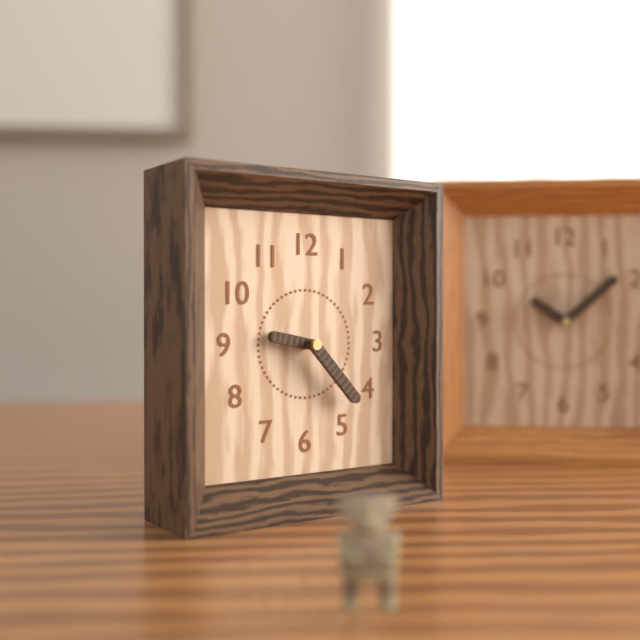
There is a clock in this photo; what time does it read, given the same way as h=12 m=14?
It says h=9 m=23
